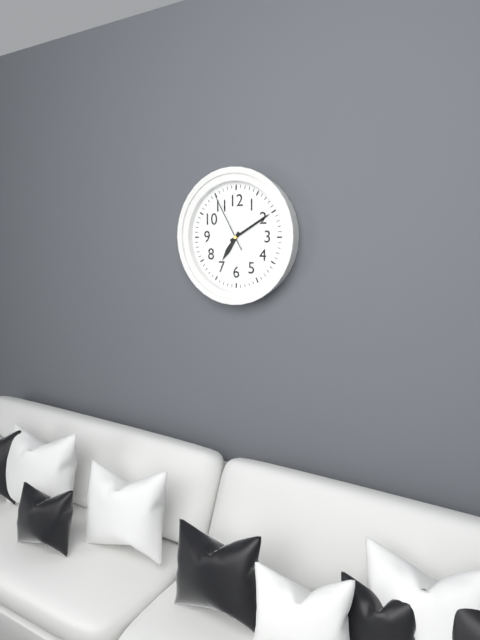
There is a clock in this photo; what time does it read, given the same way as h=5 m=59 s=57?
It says h=7 m=10 s=55
